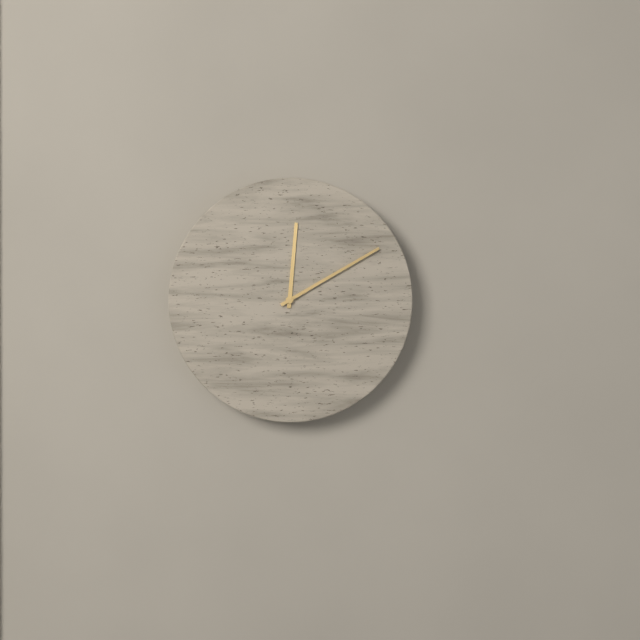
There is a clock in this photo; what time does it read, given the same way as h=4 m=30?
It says h=12 m=10
